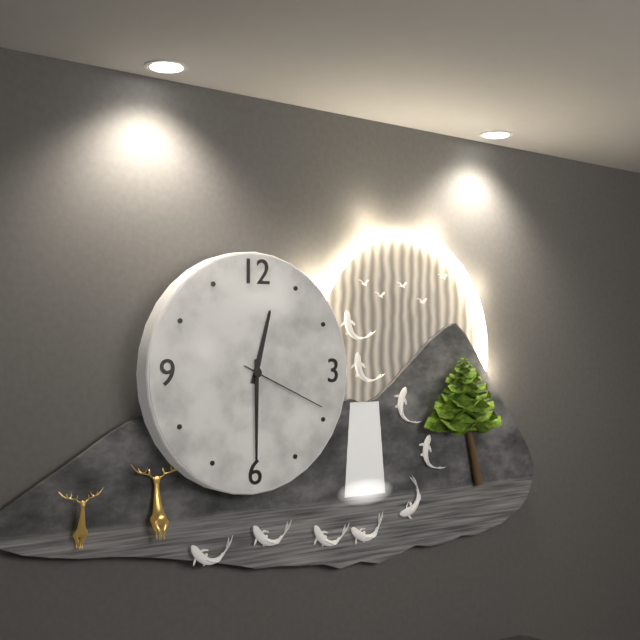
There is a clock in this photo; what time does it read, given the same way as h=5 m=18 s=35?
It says h=12 m=30 s=19
